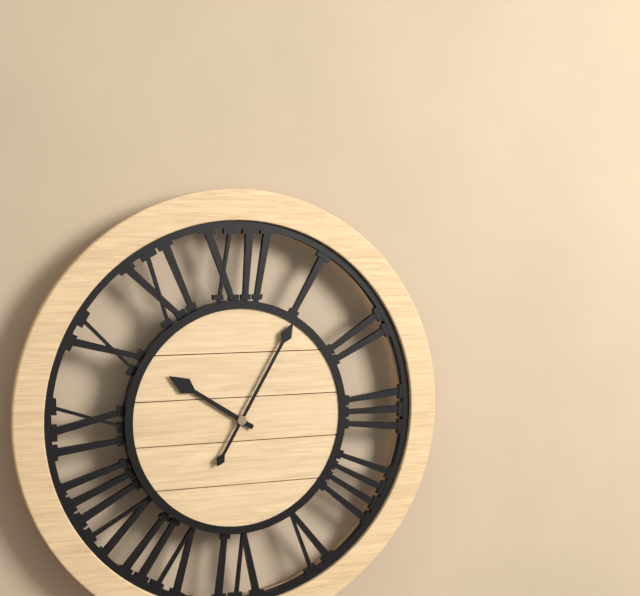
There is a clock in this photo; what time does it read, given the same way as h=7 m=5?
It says h=10 m=5
